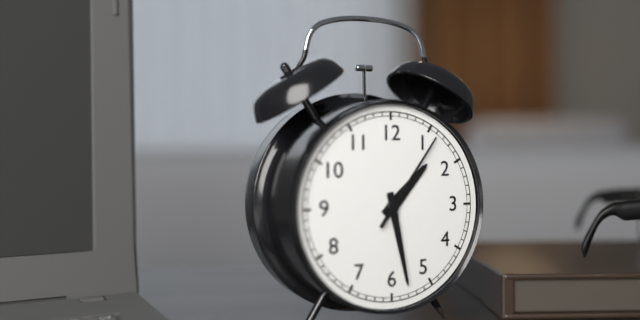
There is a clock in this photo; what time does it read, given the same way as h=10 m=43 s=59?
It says h=1 m=28 s=6
